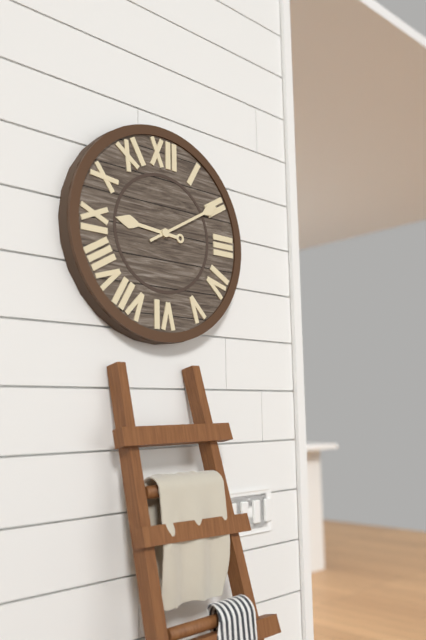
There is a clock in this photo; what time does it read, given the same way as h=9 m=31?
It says h=9 m=10
